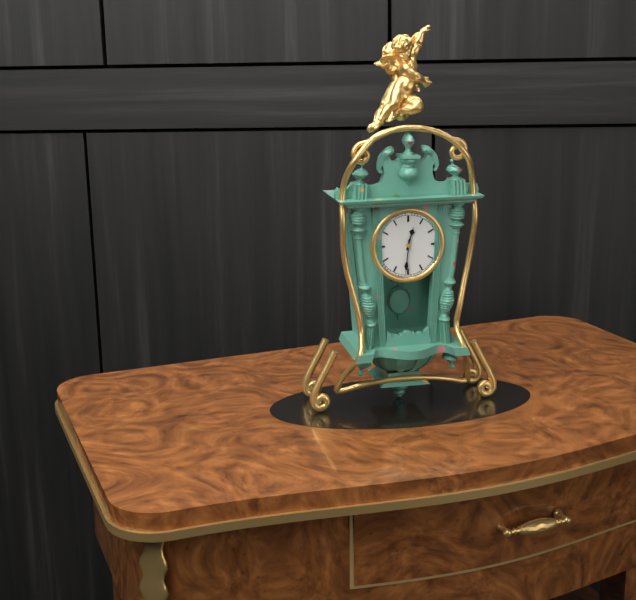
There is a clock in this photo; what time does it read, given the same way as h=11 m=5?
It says h=12 m=31
